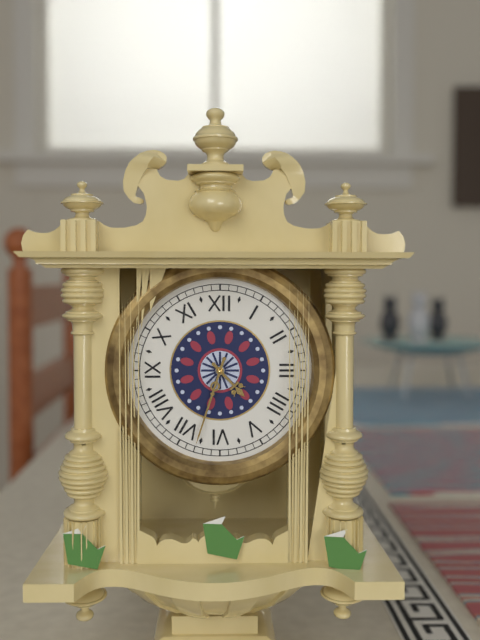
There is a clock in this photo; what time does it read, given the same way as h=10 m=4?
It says h=4 m=33
